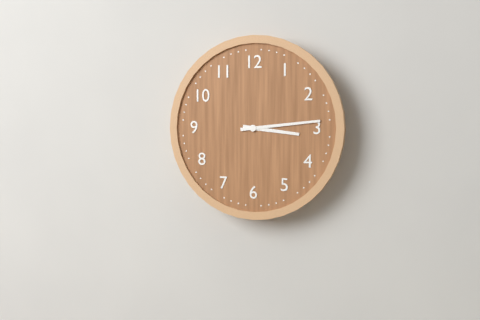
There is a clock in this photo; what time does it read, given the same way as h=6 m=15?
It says h=3 m=14
